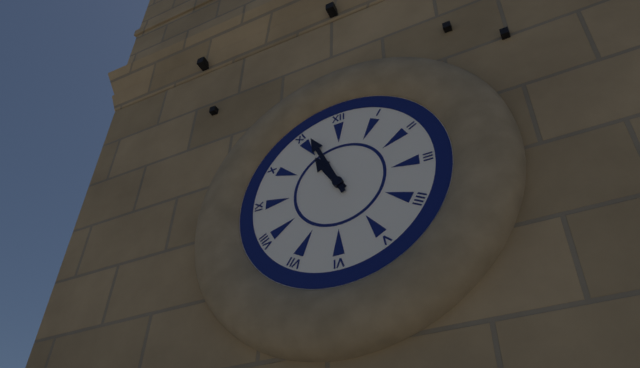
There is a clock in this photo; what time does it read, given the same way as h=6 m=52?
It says h=10 m=56
